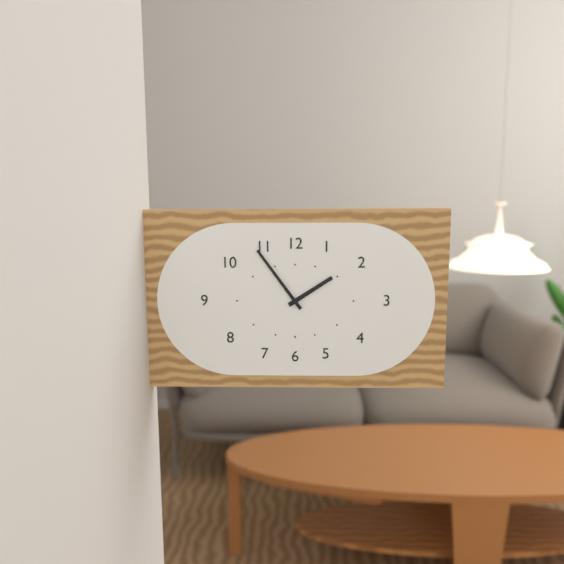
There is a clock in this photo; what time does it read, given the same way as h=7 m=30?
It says h=1 m=54
